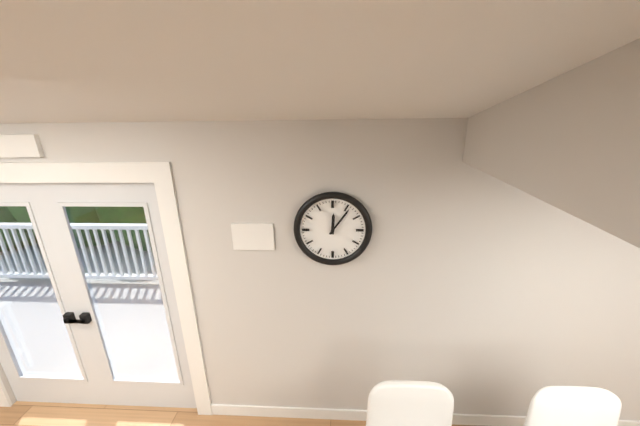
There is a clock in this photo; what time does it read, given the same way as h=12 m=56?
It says h=12 m=6
